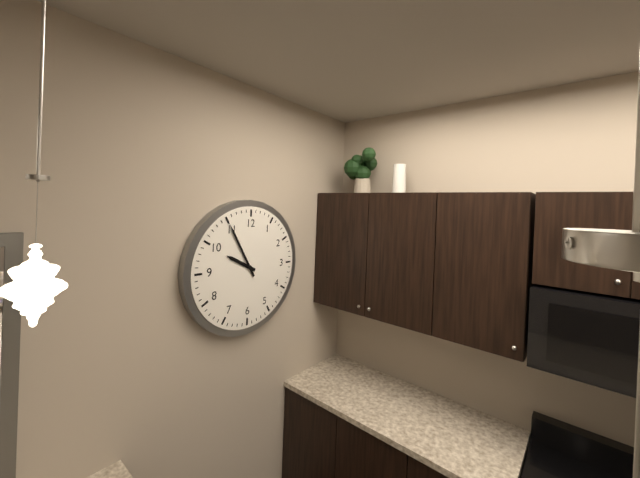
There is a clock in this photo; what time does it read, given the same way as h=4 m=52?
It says h=9 m=55
